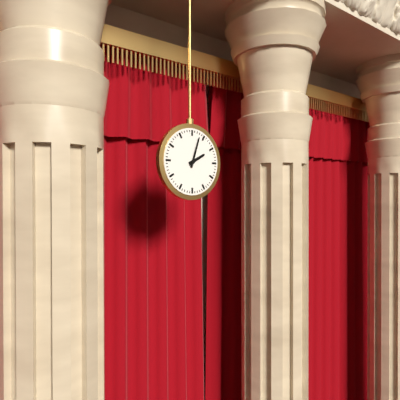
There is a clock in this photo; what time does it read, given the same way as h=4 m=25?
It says h=2 m=3
